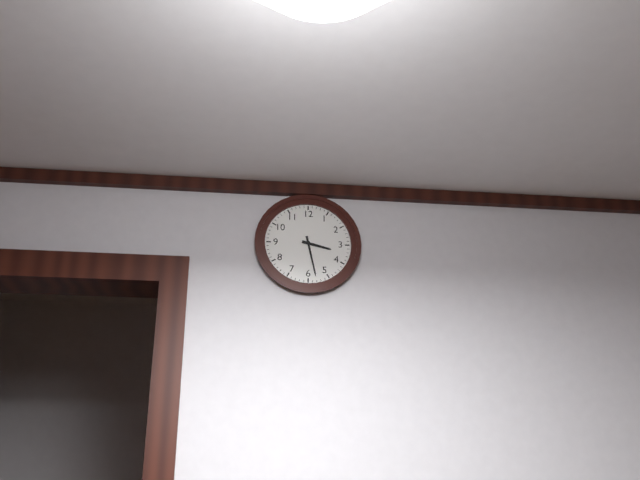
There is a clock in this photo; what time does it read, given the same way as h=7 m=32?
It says h=3 m=28
